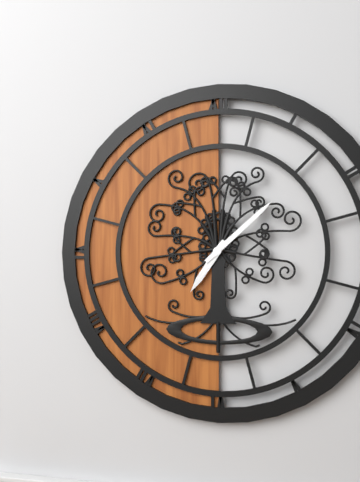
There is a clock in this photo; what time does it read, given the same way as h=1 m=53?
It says h=7 m=8
